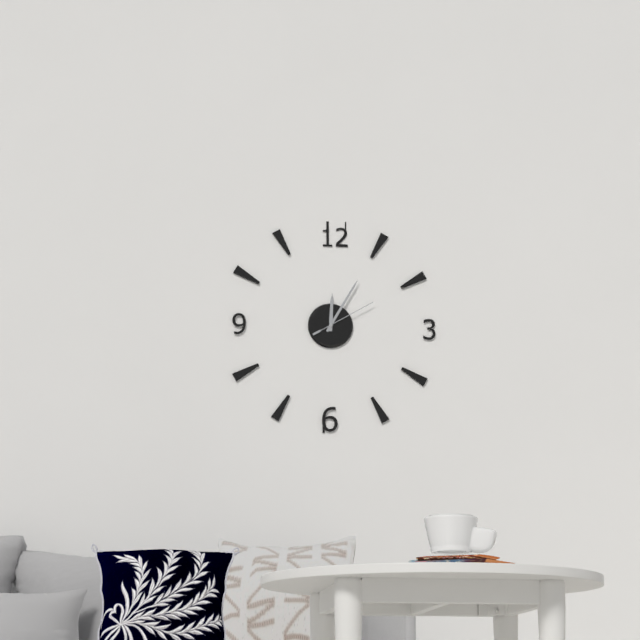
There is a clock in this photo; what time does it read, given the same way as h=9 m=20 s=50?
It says h=12 m=5 s=10
